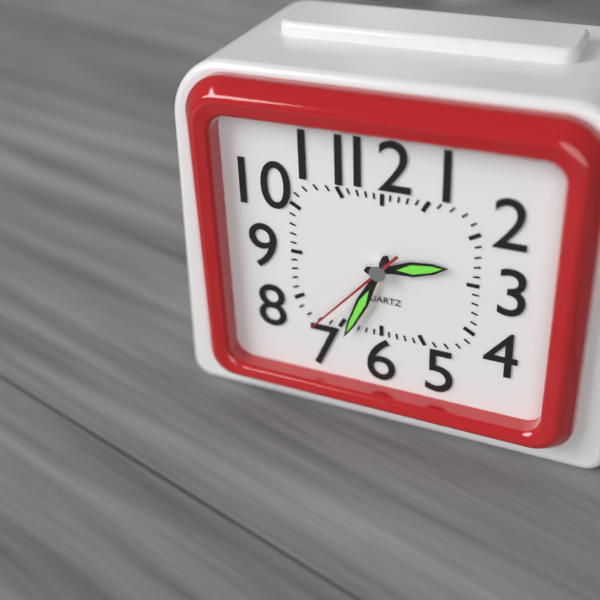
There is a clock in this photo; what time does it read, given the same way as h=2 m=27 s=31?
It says h=2 m=34 s=37
